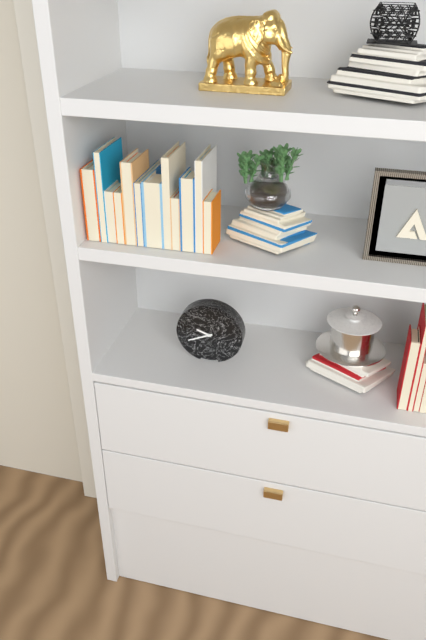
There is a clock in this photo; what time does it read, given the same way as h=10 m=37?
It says h=9 m=41
